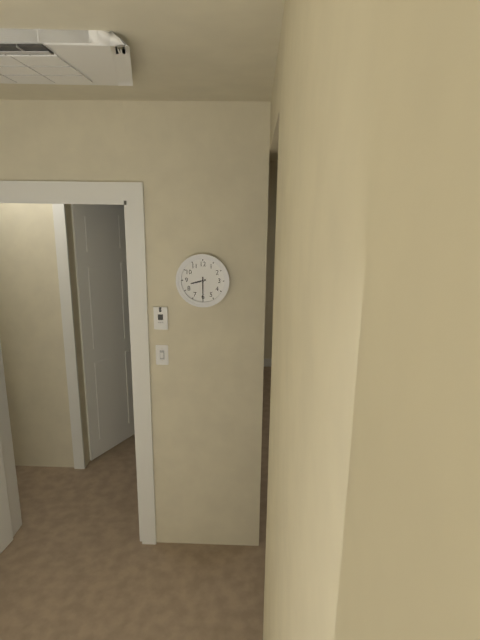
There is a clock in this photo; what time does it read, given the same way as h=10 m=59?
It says h=8 m=30
